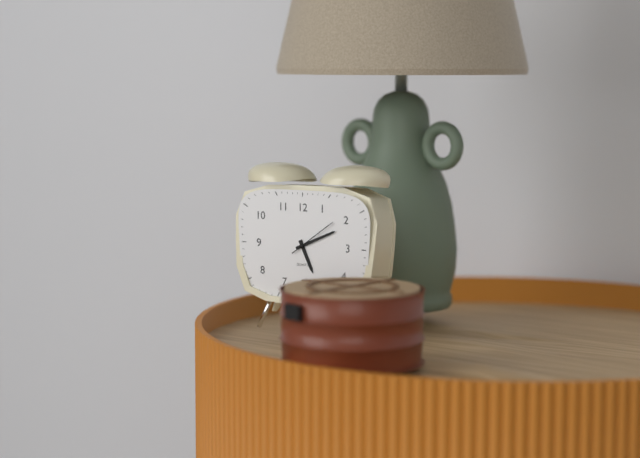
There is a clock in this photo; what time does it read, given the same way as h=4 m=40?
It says h=5 m=11
